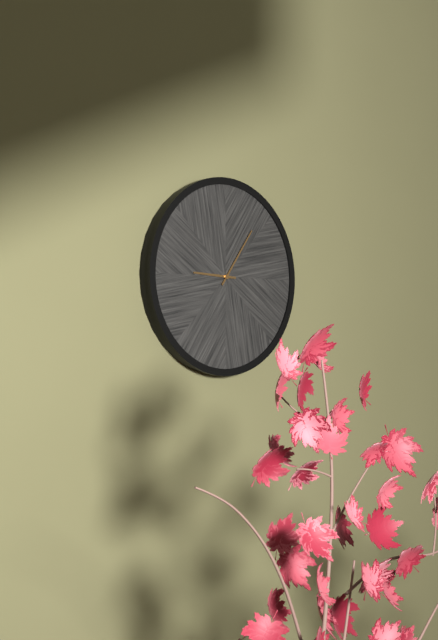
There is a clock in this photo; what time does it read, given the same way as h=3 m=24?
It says h=9 m=6
